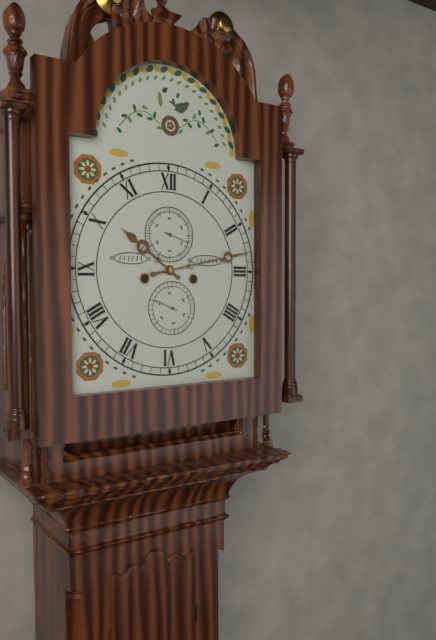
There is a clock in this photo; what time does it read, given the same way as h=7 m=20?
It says h=10 m=13
